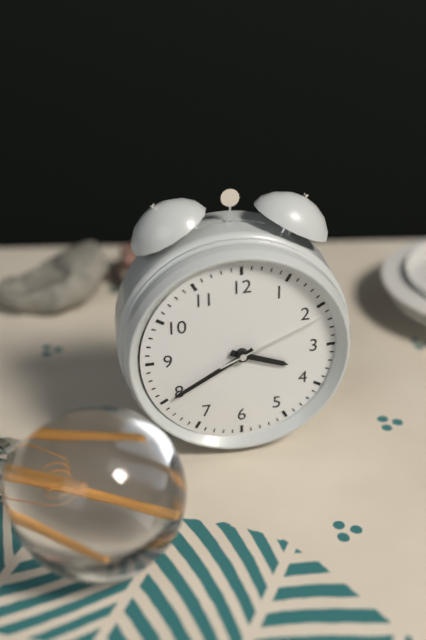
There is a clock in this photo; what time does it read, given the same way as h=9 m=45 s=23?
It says h=3 m=40 s=11
